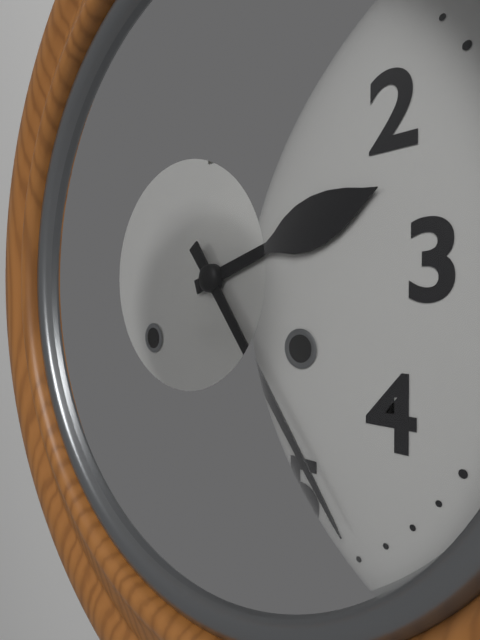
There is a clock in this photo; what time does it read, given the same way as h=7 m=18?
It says h=2 m=24
